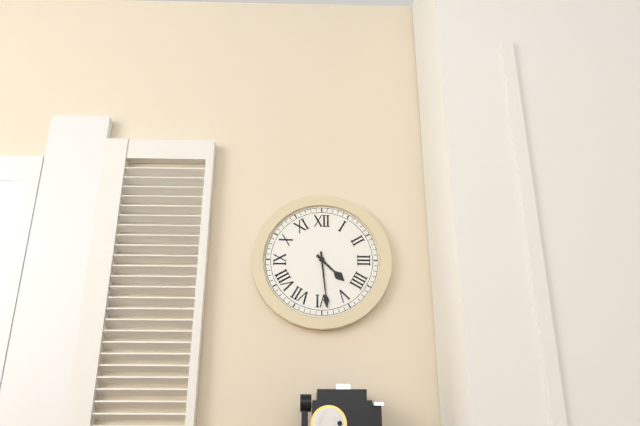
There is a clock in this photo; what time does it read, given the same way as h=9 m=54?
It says h=4 m=29
